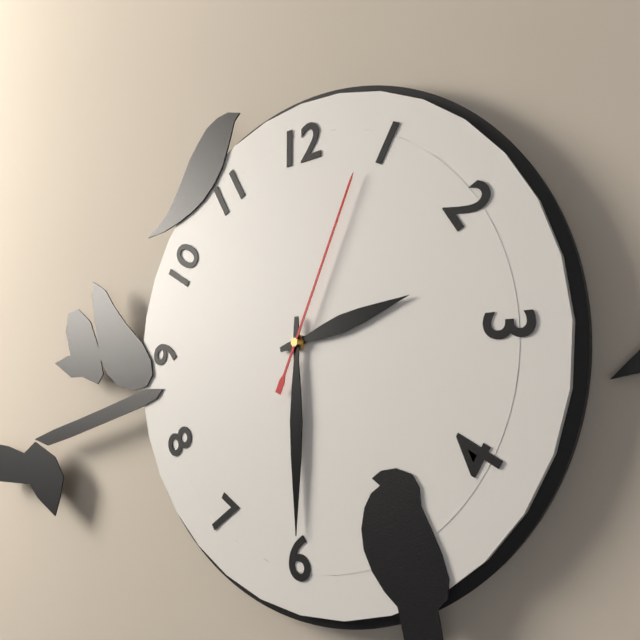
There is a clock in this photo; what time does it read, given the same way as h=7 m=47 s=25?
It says h=2 m=30 s=4
